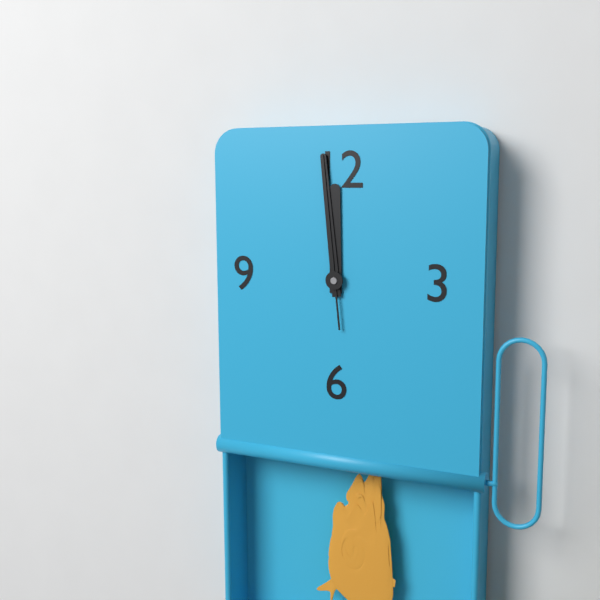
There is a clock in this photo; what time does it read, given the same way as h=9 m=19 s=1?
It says h=11 m=59 s=59
